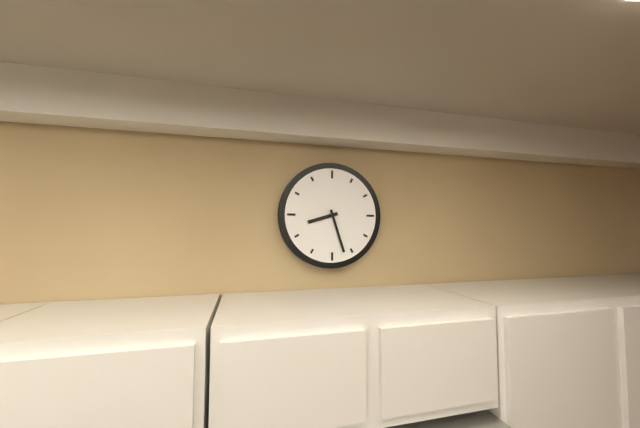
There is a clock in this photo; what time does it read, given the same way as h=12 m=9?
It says h=8 m=27
